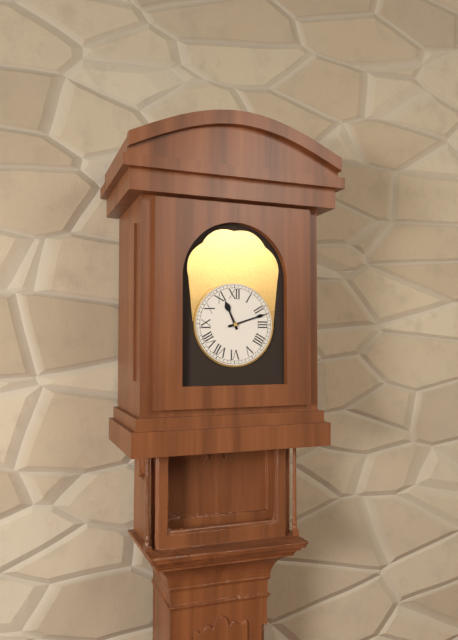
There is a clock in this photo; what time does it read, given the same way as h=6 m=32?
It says h=11 m=12
